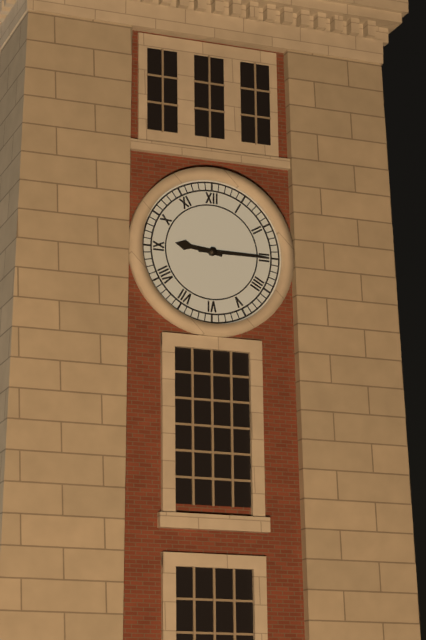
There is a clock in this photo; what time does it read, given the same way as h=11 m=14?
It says h=9 m=15
